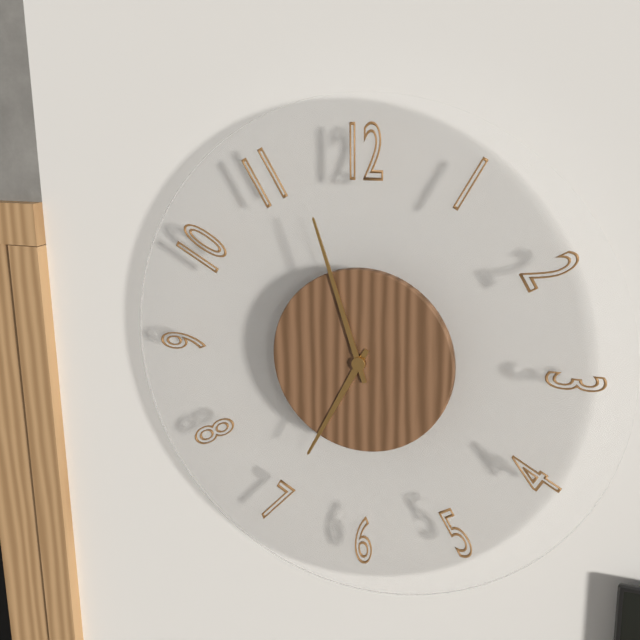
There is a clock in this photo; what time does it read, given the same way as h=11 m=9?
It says h=6 m=57
